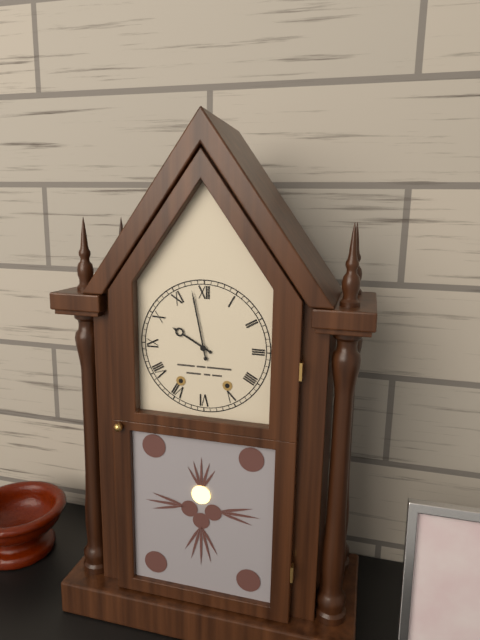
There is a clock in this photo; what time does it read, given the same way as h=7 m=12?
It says h=9 m=58
